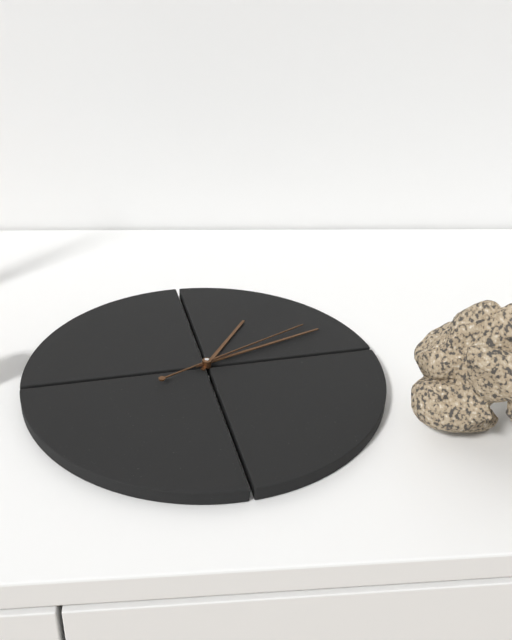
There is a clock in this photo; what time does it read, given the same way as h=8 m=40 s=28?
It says h=1 m=12 s=11
